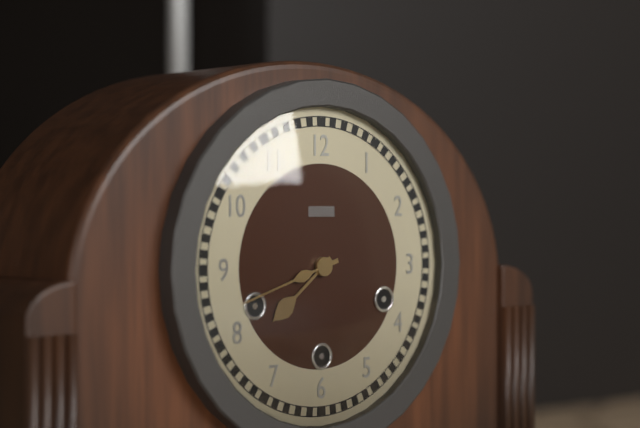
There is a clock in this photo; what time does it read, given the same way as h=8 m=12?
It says h=7 m=42
